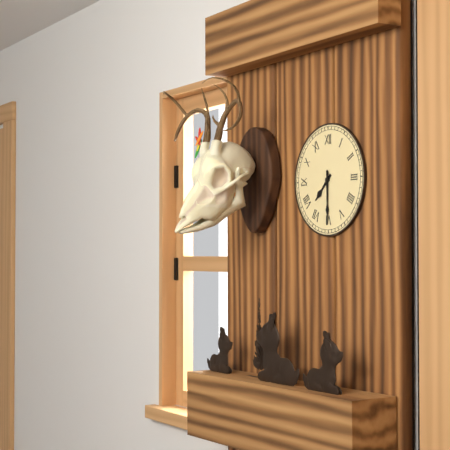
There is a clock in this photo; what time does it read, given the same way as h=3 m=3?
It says h=7 m=30
